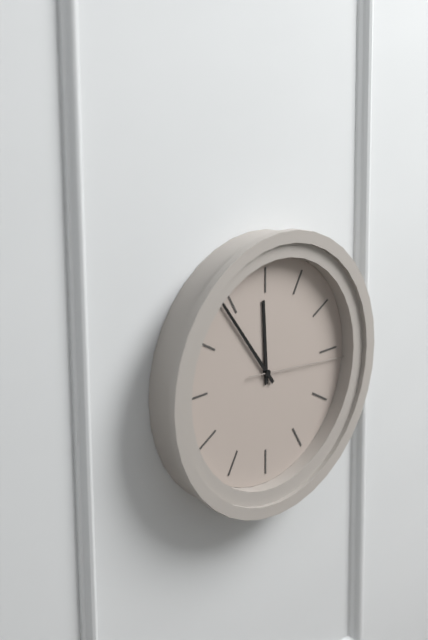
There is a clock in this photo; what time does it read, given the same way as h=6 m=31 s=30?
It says h=11 m=54 s=16
